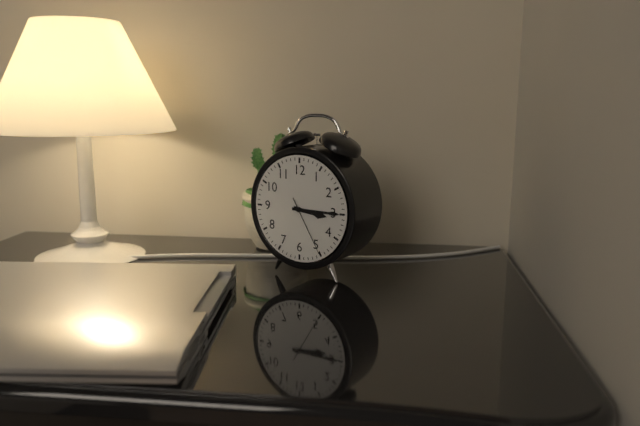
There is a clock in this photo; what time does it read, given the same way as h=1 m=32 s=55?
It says h=3 m=15 s=25
